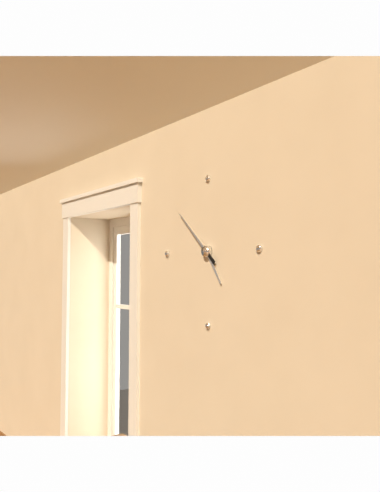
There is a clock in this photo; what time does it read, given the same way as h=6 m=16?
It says h=4 m=52
